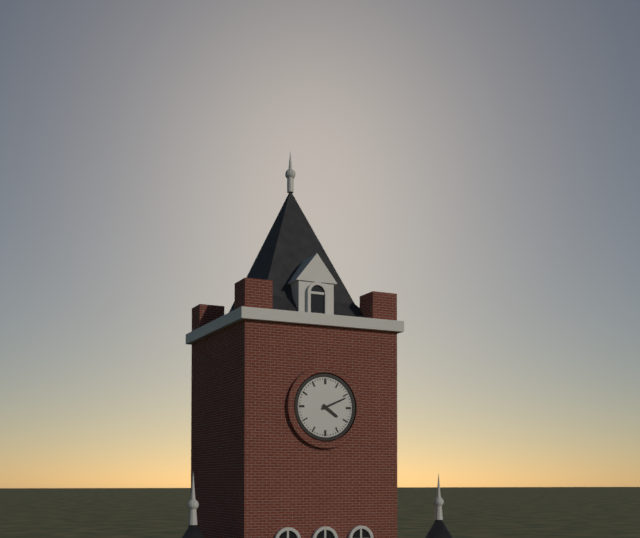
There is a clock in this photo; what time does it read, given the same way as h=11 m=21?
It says h=4 m=11
